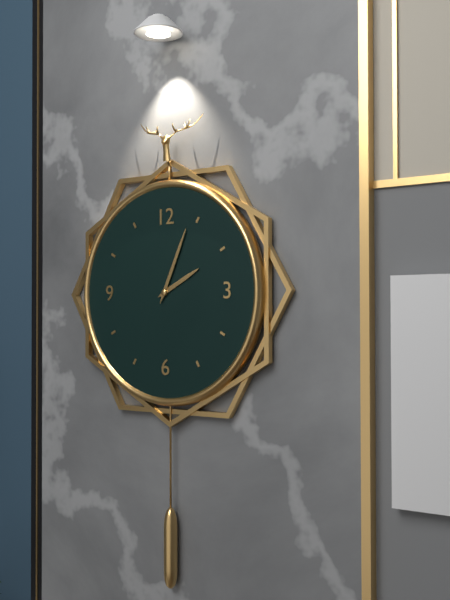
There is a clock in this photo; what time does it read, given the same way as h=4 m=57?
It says h=2 m=4
